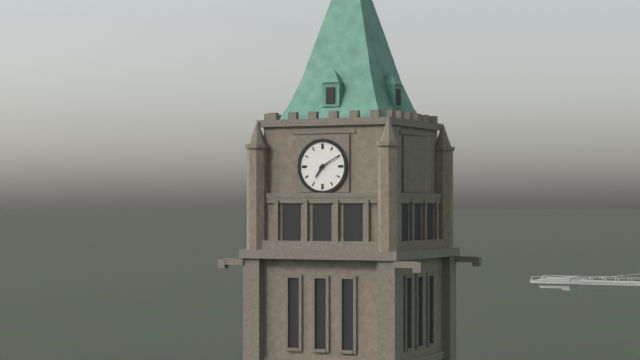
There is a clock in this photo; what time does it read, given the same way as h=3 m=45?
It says h=7 m=10
